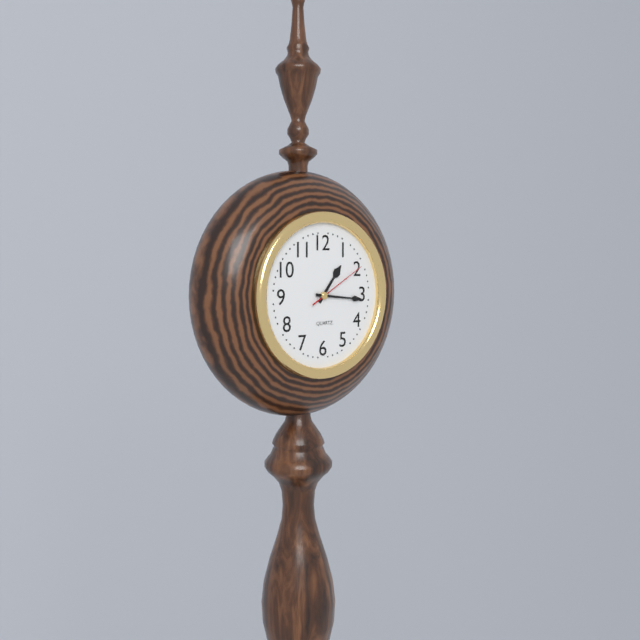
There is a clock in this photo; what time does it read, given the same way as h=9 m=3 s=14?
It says h=1 m=16 s=10
